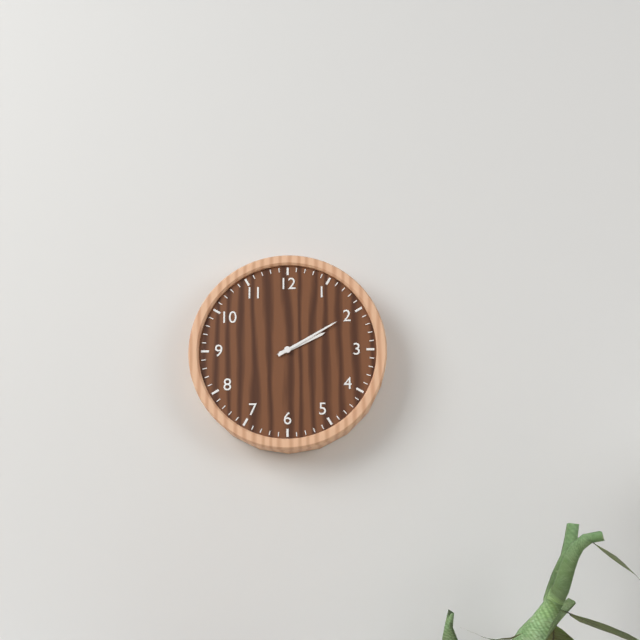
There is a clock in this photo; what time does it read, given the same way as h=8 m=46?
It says h=2 m=10
